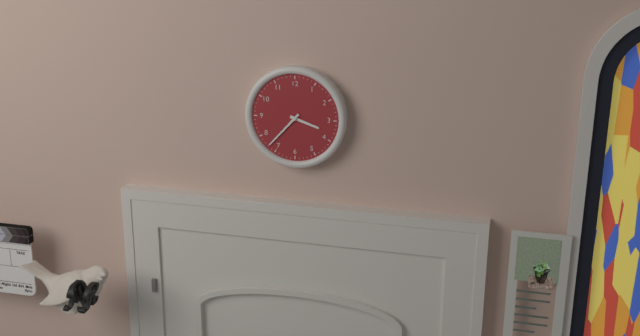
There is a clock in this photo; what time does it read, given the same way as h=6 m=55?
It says h=3 m=37
